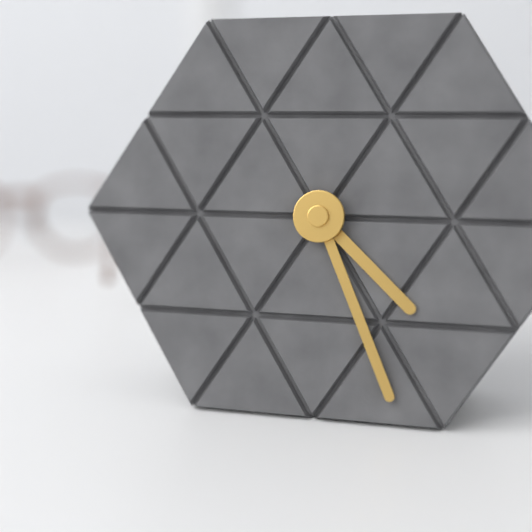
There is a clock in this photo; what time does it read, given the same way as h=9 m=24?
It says h=4 m=26
